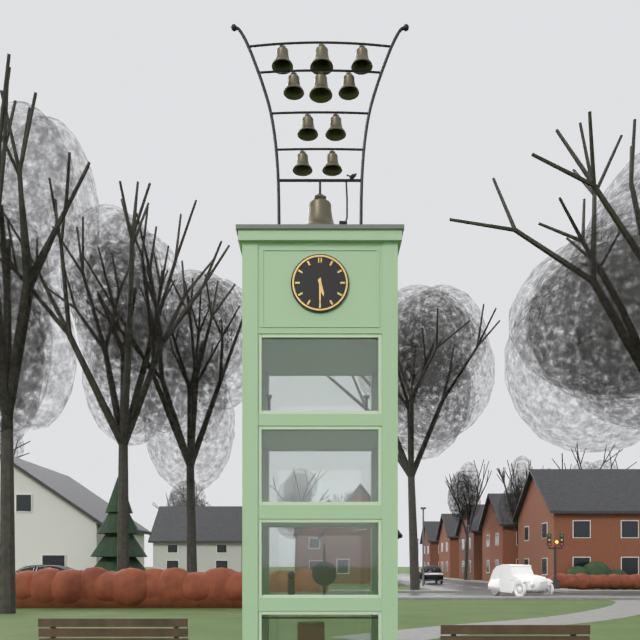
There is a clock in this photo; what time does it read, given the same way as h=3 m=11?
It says h=5 m=30
